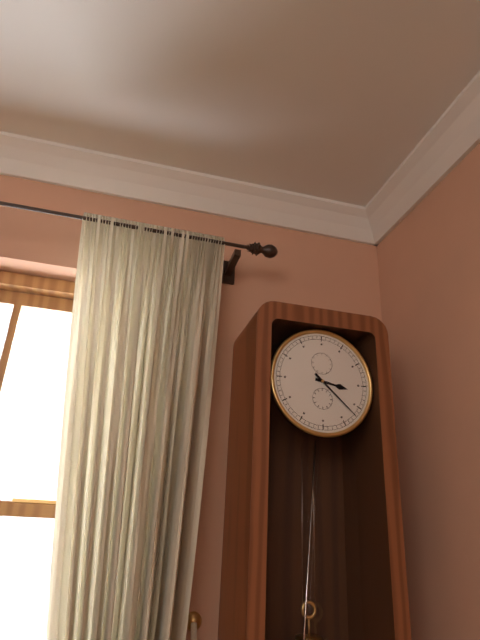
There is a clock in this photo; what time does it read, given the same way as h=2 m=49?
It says h=3 m=22
